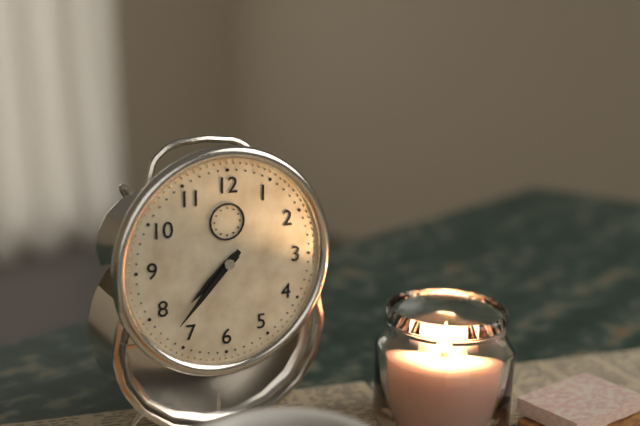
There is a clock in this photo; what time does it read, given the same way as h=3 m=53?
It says h=7 m=37
